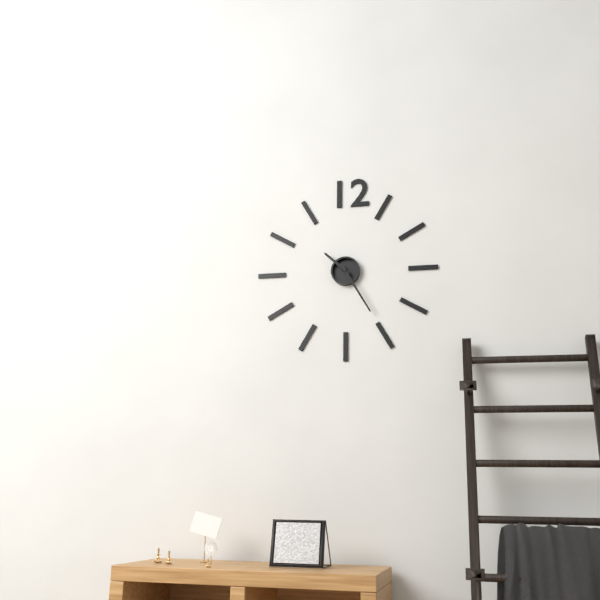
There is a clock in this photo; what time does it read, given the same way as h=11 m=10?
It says h=10 m=25
